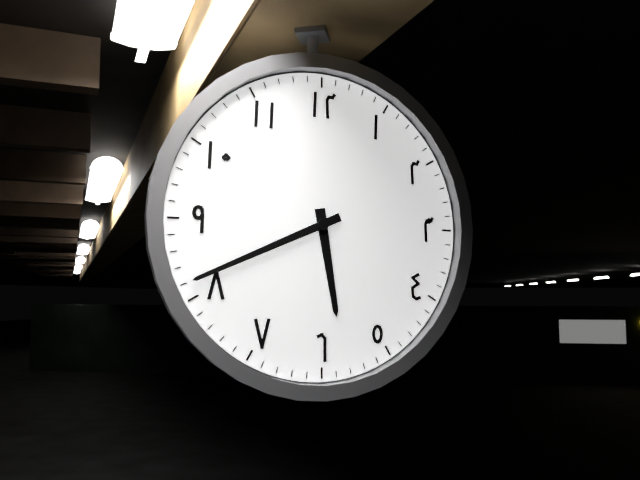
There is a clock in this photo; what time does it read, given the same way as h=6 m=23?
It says h=5 m=41
